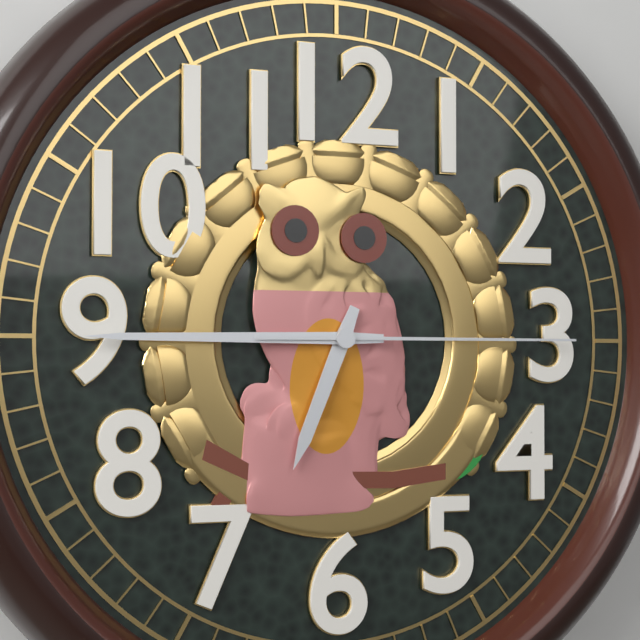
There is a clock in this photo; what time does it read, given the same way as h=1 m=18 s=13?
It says h=6 m=45 s=15
